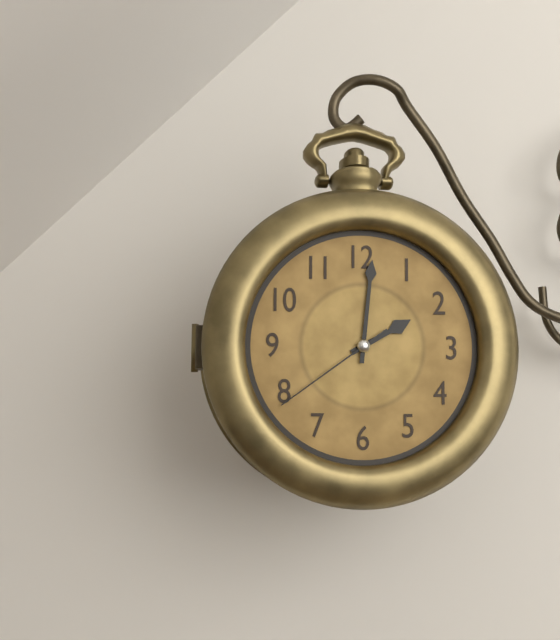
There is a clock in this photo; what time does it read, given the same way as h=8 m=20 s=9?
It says h=2 m=1 s=39
